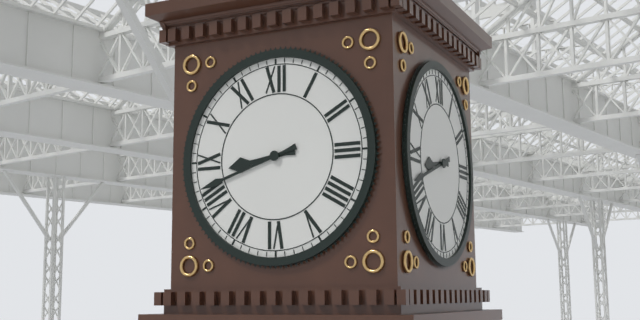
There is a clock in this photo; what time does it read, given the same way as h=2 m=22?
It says h=8 m=42
